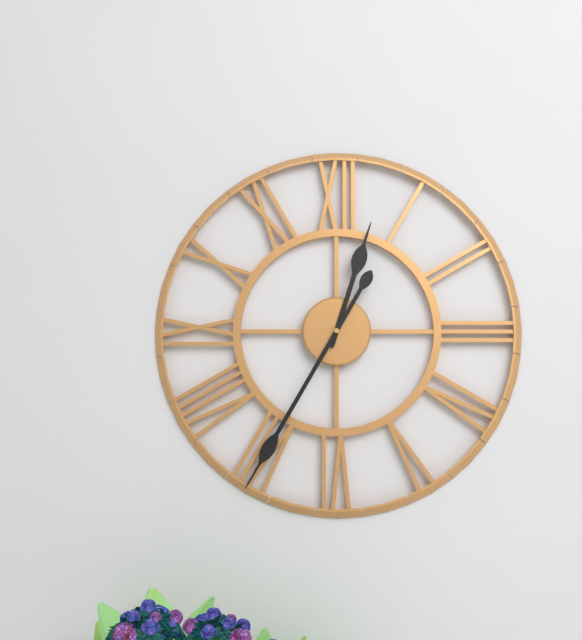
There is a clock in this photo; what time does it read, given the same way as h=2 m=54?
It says h=12 m=35
